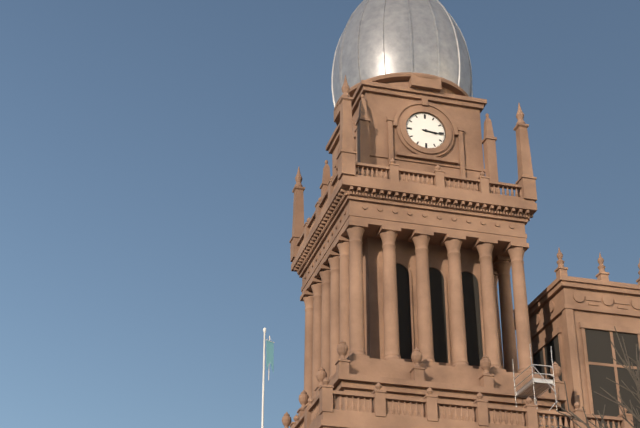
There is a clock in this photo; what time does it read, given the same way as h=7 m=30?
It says h=3 m=16
